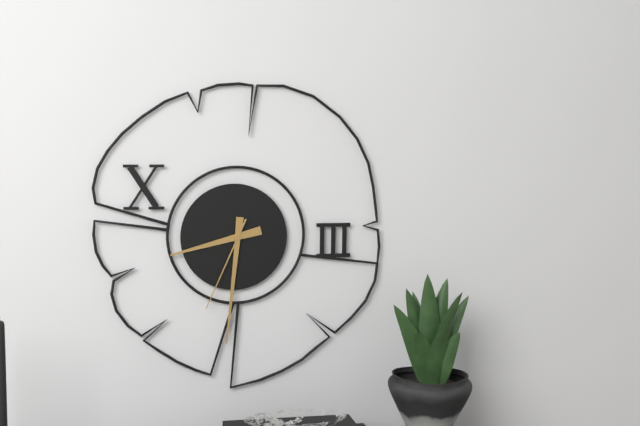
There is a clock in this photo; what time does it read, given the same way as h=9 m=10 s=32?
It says h=8 m=31 s=34
